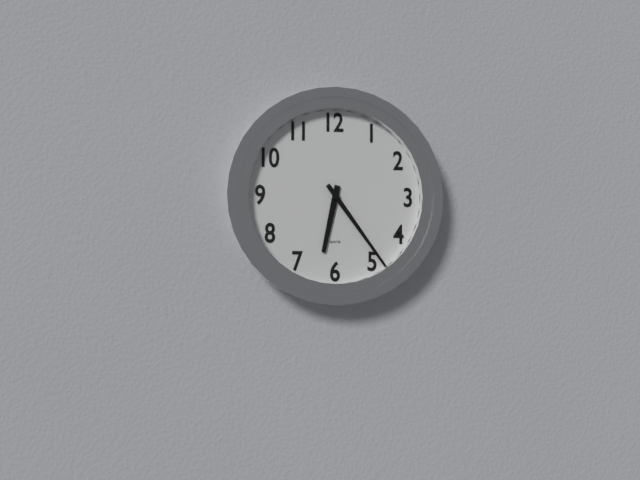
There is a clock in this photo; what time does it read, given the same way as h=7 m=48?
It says h=6 m=24
